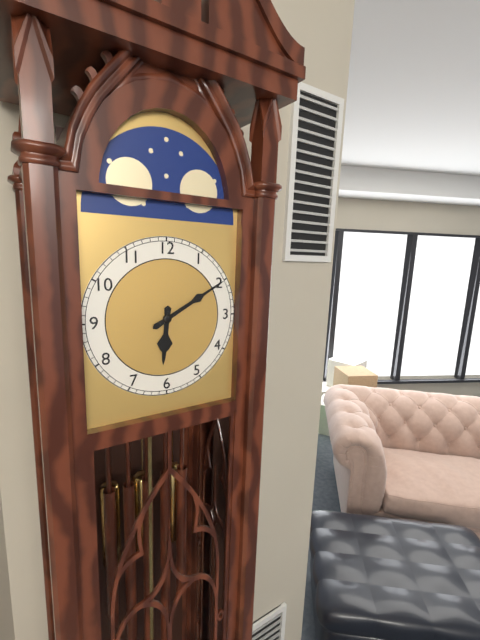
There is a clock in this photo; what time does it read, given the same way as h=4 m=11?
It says h=6 m=10
